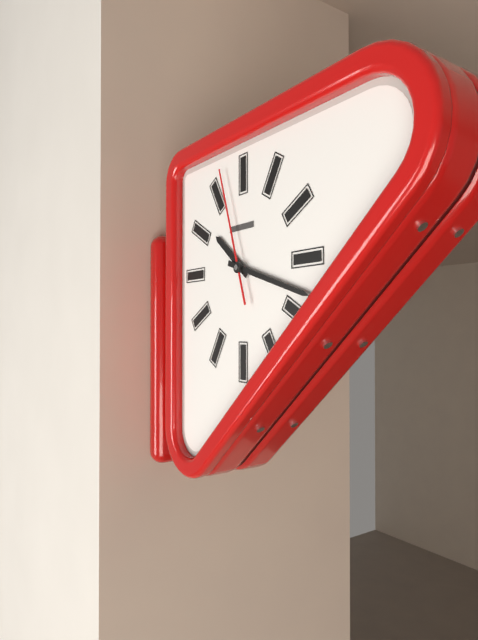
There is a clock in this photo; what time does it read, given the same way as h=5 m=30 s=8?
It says h=10 m=18 s=57
